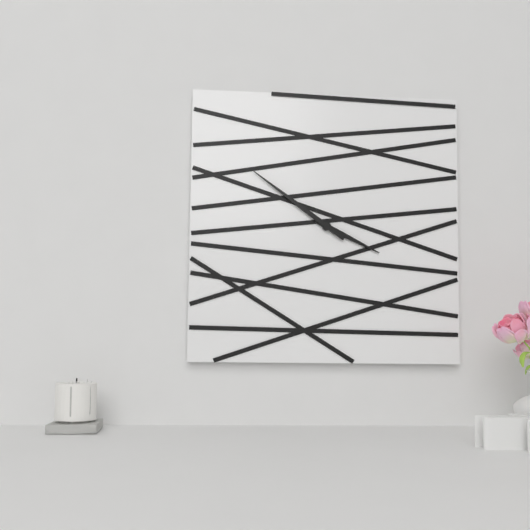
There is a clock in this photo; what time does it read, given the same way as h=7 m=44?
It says h=3 m=51
